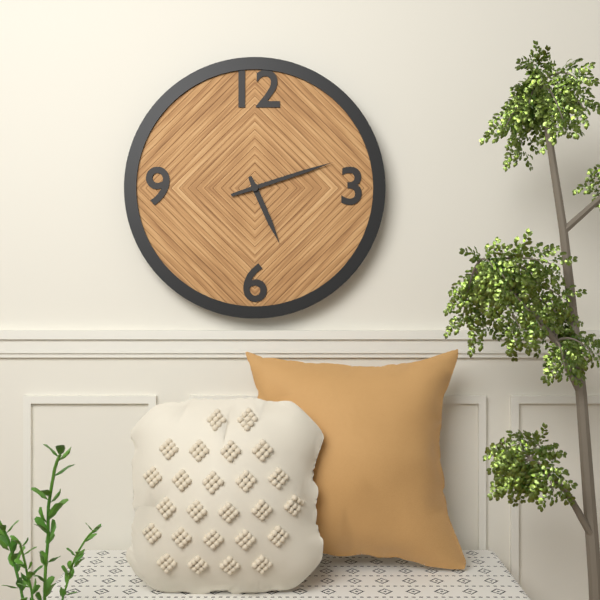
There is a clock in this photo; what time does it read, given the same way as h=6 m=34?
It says h=5 m=12
